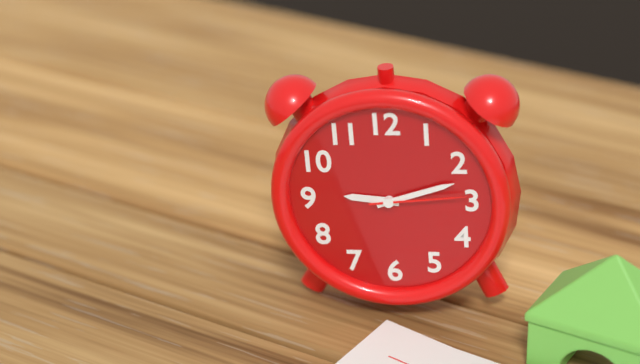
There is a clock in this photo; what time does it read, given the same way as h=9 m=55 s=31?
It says h=9 m=12 s=14
